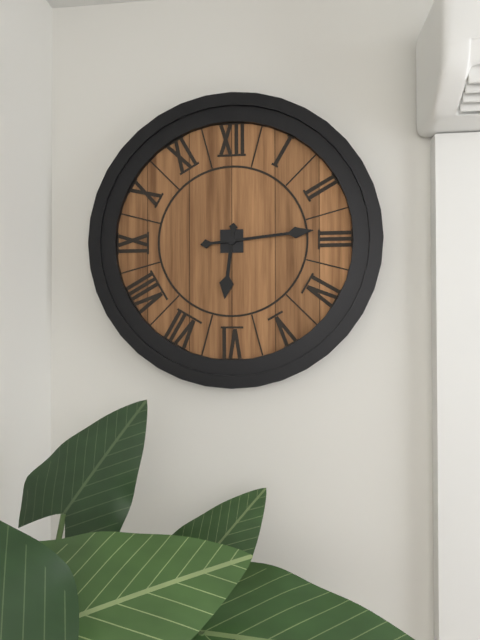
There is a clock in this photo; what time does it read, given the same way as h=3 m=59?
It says h=6 m=14
